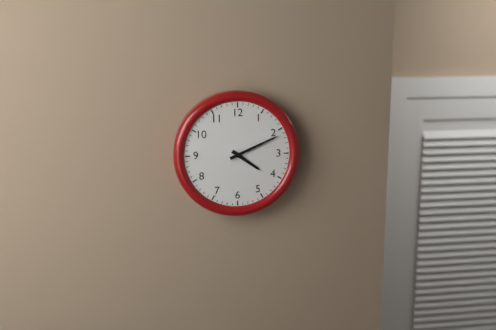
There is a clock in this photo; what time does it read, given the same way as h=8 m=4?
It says h=4 m=11
